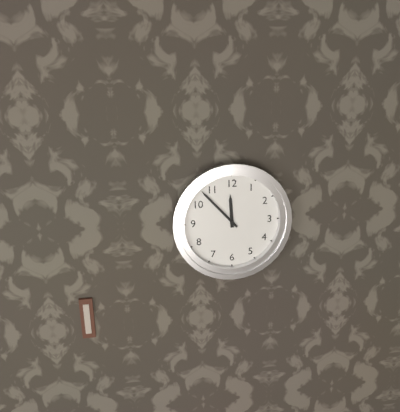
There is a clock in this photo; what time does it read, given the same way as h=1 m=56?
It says h=11 m=53
